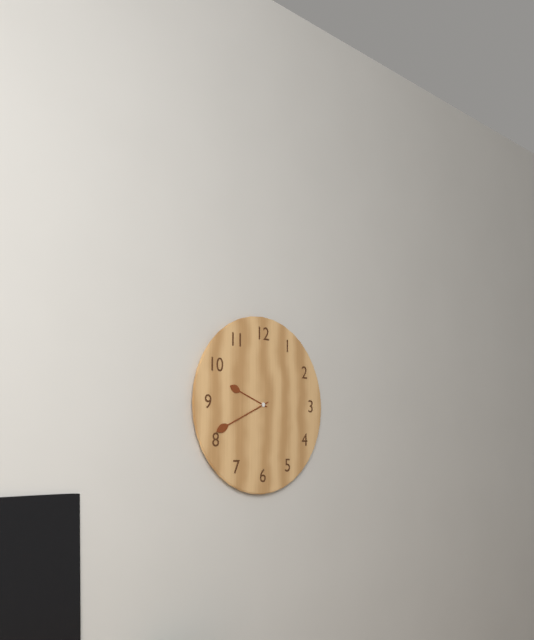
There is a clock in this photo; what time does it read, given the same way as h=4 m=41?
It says h=9 m=41
